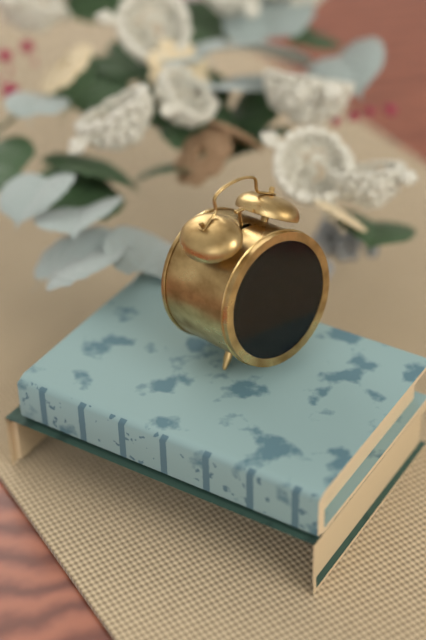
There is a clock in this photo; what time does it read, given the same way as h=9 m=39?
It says h=5 m=57
